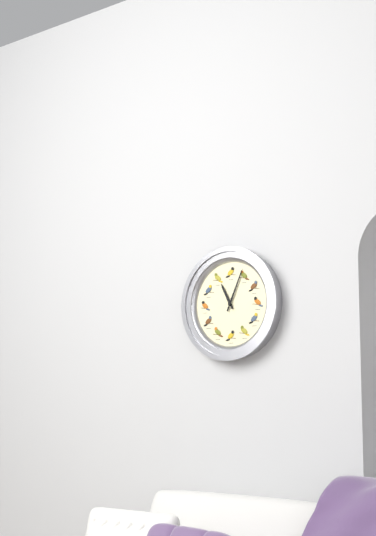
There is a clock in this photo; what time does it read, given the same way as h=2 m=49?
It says h=11 m=4
